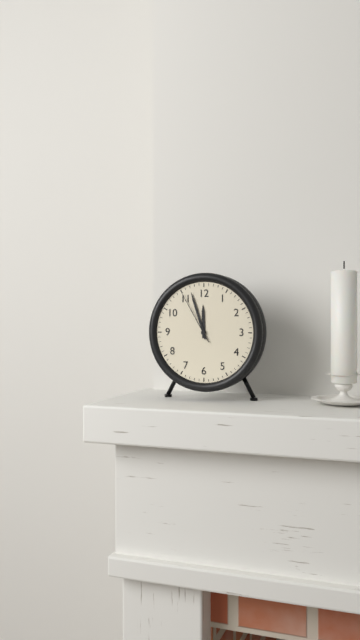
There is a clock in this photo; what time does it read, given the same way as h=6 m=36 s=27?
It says h=11 m=57 s=55
